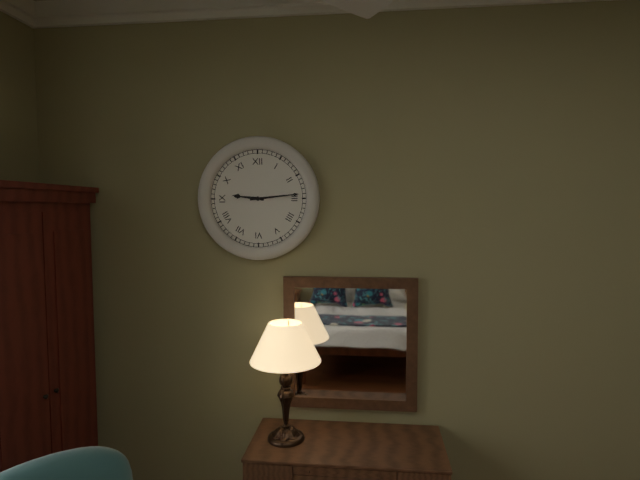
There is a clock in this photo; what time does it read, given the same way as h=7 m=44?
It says h=9 m=14
